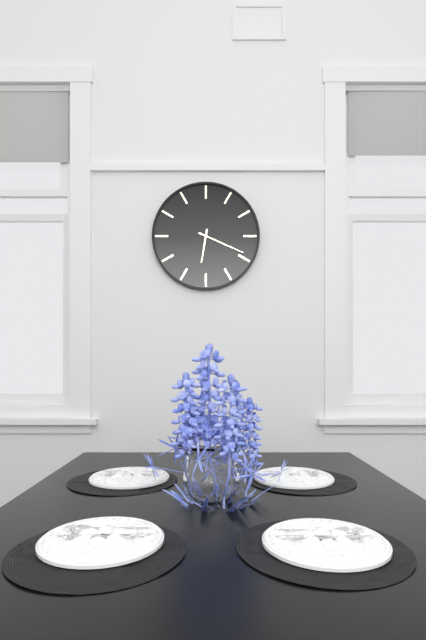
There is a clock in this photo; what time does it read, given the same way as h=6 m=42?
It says h=6 m=19
